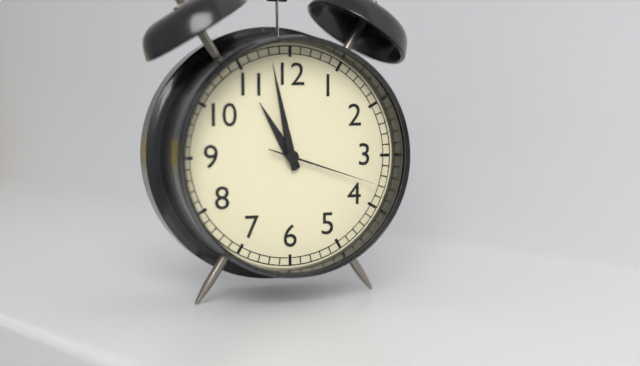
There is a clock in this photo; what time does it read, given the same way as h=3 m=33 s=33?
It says h=10 m=58 s=18
